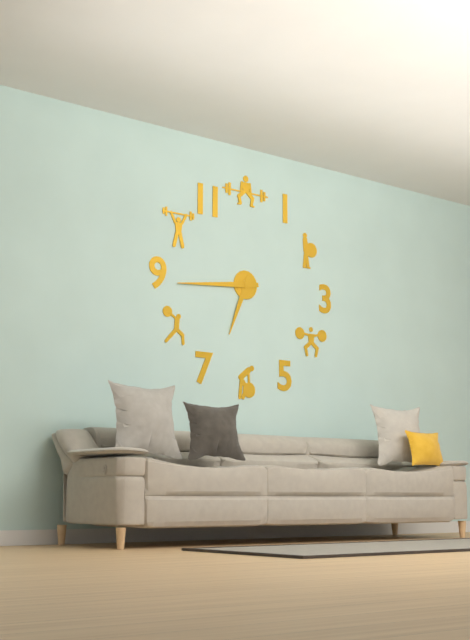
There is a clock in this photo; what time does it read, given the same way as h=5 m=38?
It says h=6 m=44
